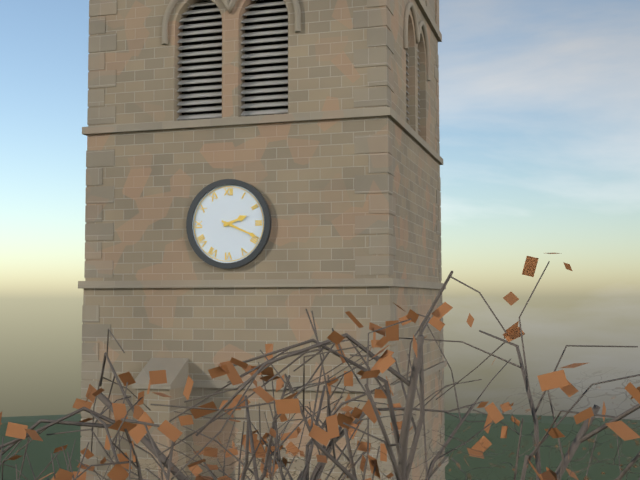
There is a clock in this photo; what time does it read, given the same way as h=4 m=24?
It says h=2 m=19
